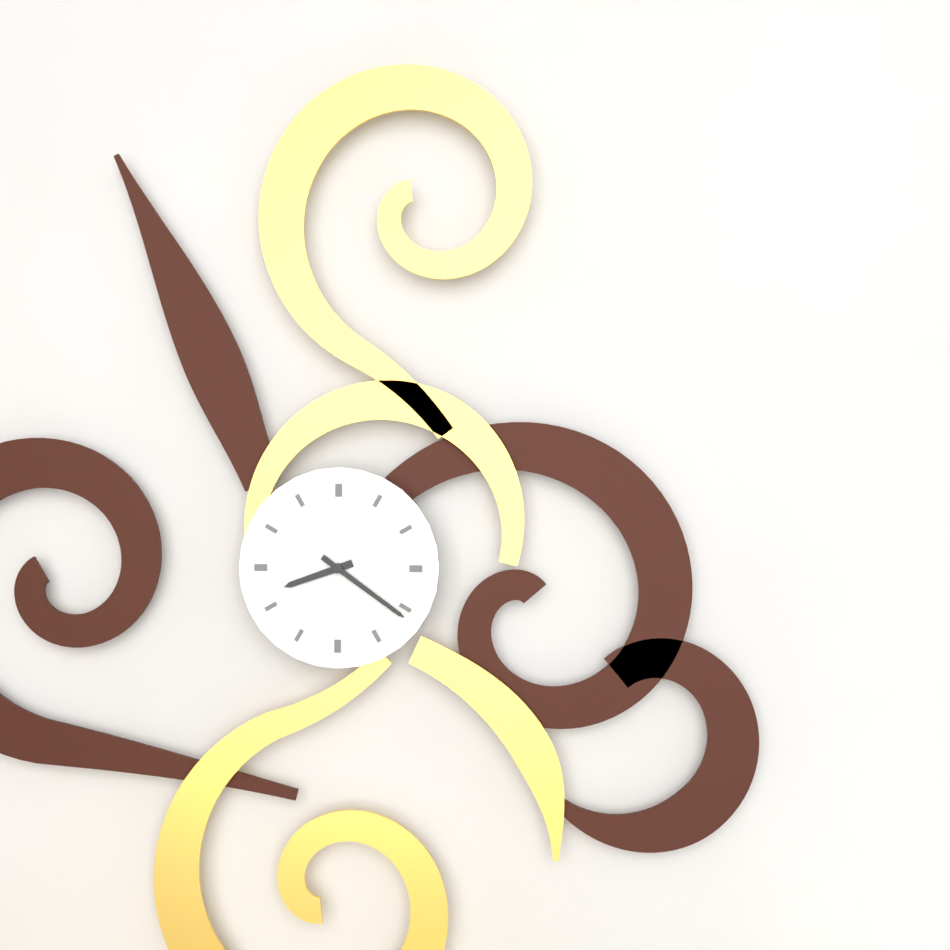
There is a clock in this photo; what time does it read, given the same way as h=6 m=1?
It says h=8 m=21
